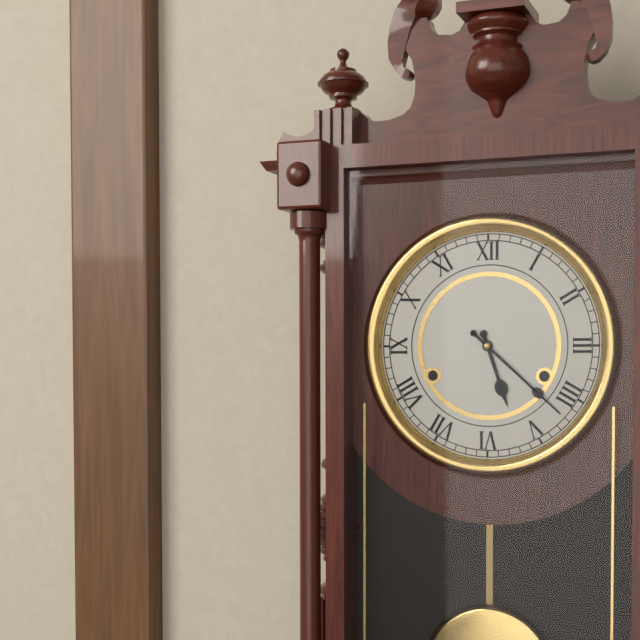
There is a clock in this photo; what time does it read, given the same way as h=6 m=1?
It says h=5 m=22
